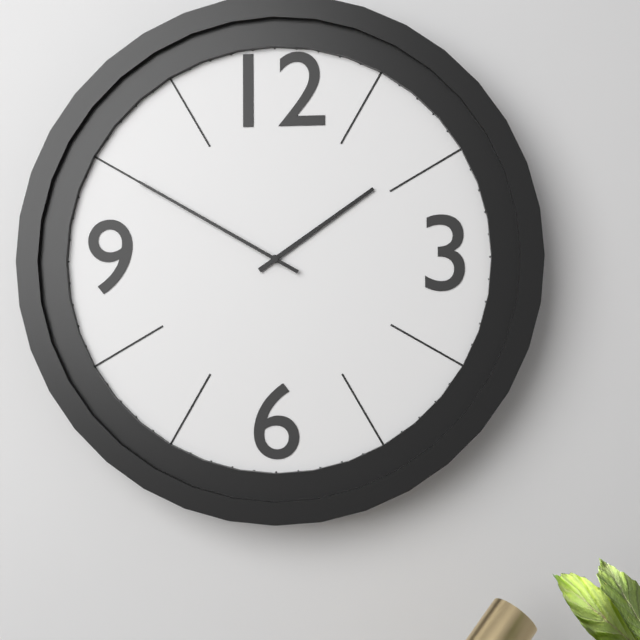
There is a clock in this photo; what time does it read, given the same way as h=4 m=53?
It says h=1 m=50
